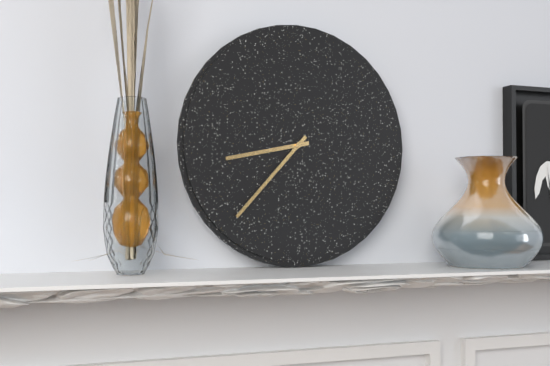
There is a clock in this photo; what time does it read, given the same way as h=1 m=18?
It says h=8 m=37
